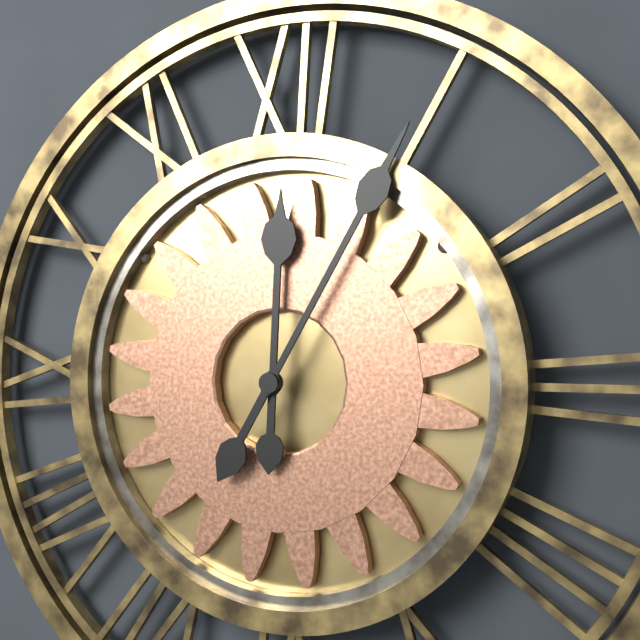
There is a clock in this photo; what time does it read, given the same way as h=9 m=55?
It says h=12 m=5
